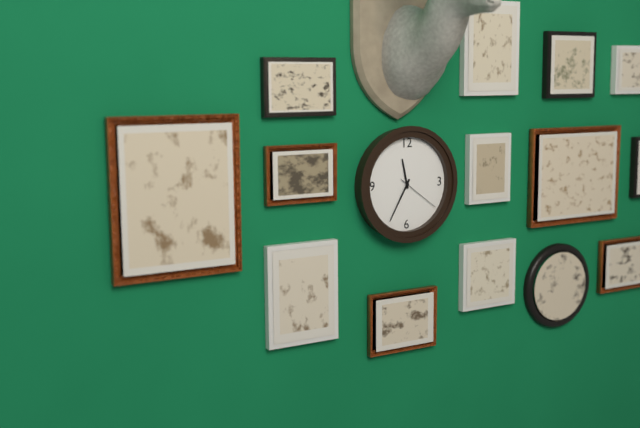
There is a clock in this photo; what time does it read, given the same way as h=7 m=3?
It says h=11 m=35
